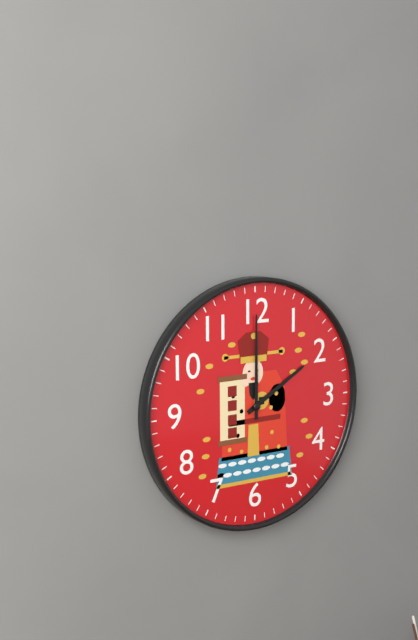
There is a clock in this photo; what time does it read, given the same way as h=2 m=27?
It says h=2 m=0
